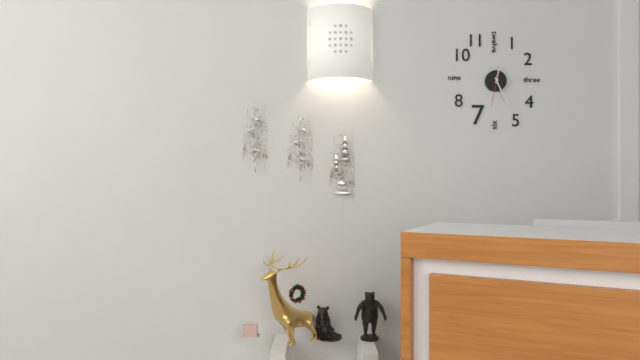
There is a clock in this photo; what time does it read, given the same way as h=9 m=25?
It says h=12 m=26
